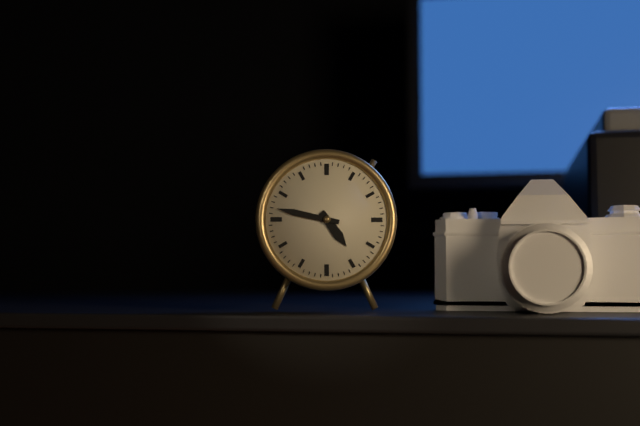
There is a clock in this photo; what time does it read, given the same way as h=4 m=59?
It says h=4 m=47
